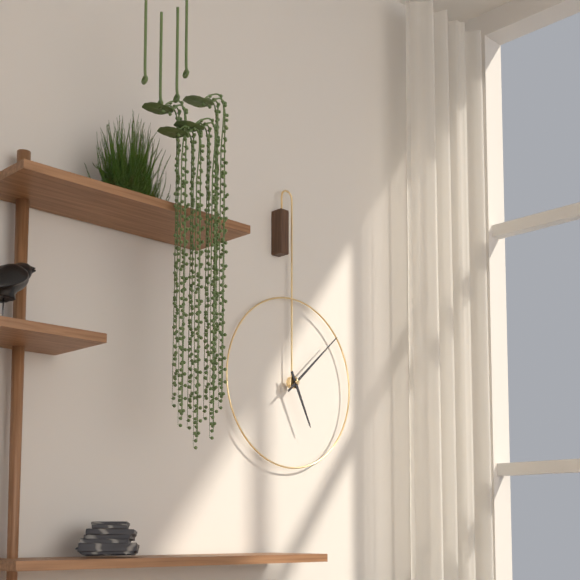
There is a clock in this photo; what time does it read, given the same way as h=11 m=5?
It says h=5 m=8
